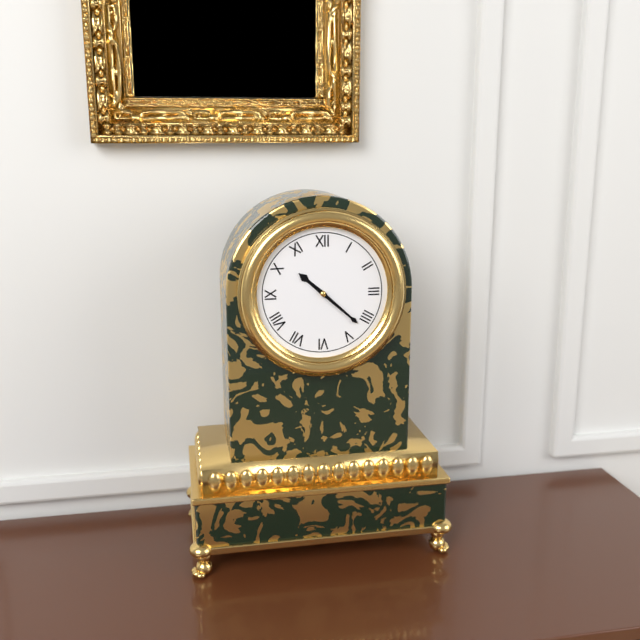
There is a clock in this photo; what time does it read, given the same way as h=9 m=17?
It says h=10 m=22
